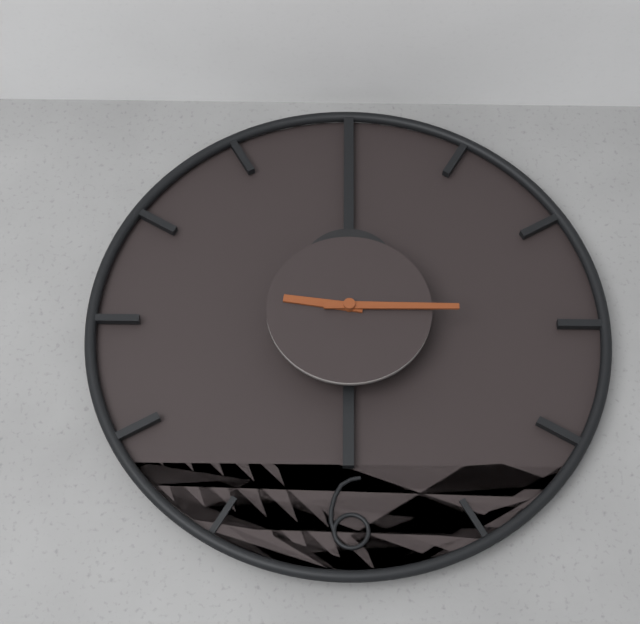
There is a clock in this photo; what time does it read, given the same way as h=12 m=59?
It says h=9 m=15
